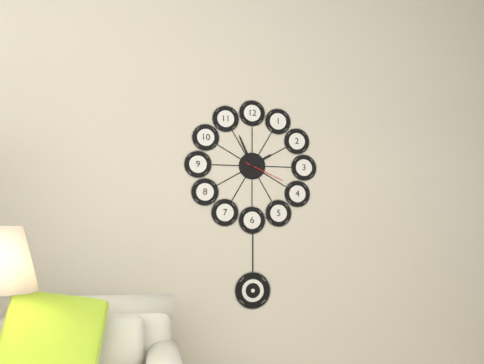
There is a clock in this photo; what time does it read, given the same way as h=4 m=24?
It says h=1 m=56
